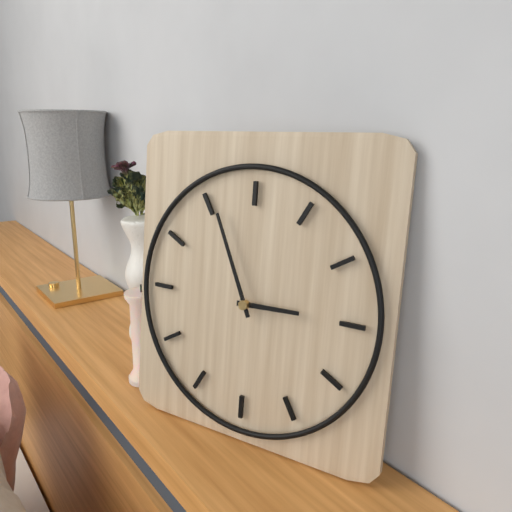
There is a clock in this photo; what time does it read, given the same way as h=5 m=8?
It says h=2 m=56
